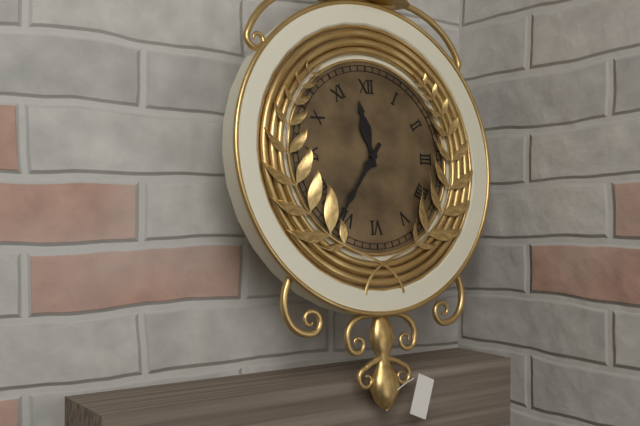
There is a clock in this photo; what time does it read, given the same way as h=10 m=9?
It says h=11 m=36
